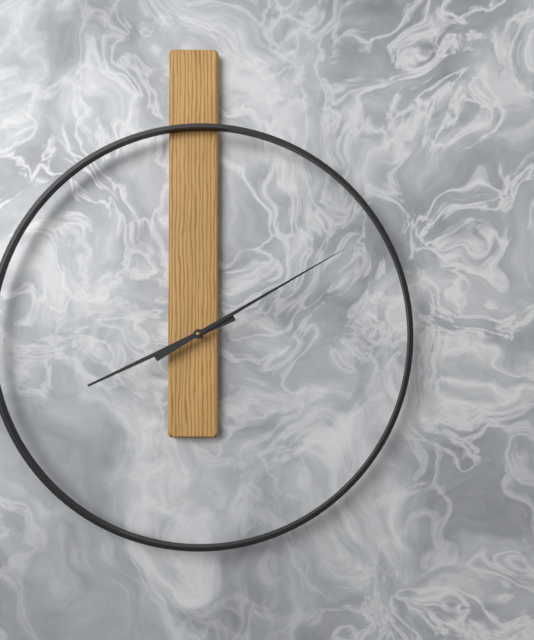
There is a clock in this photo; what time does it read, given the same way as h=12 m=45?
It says h=8 m=10
